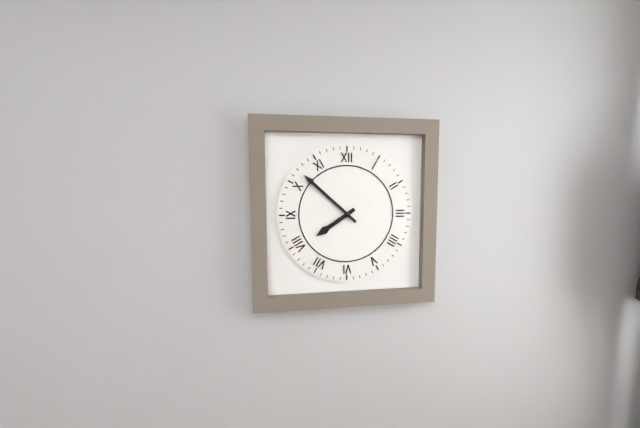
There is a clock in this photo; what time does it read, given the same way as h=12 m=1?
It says h=7 m=52
